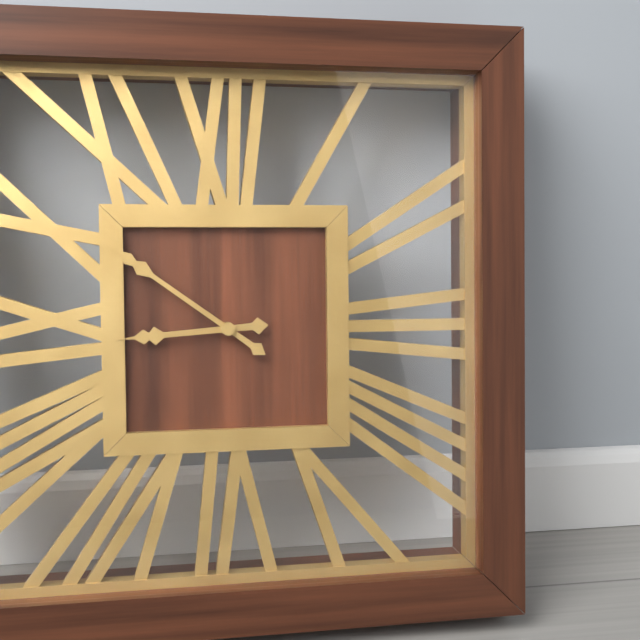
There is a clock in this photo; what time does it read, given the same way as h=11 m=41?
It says h=8 m=51
